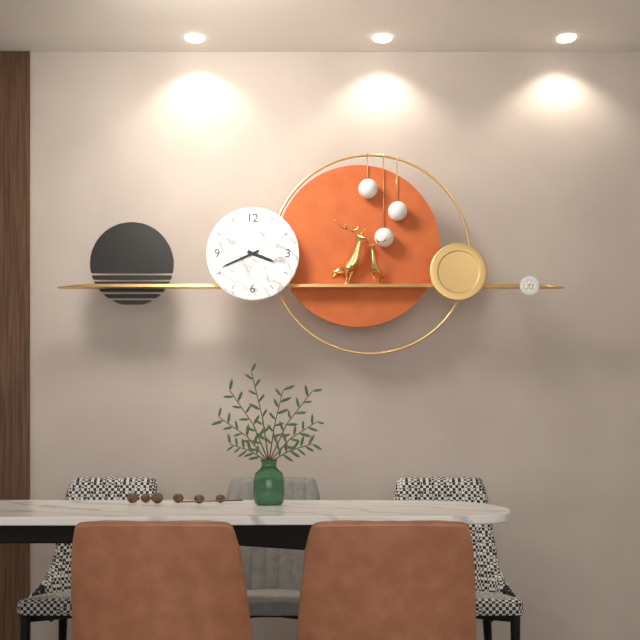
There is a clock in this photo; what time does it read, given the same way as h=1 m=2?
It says h=3 m=41
